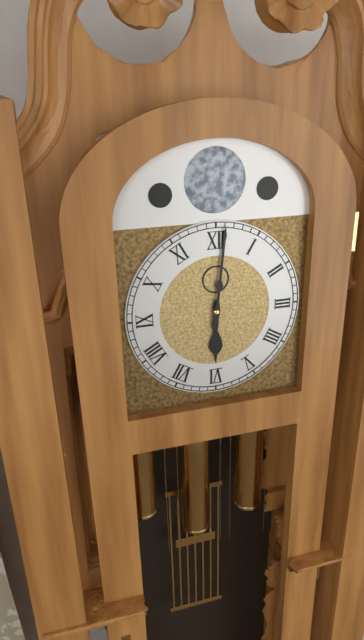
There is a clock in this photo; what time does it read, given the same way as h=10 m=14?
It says h=6 m=1
